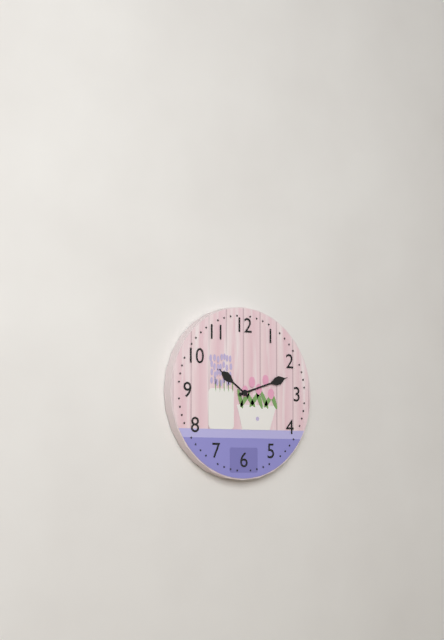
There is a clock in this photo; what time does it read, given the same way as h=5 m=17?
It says h=10 m=12
